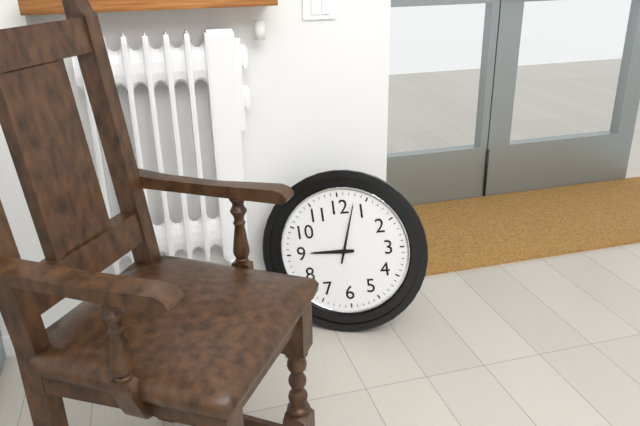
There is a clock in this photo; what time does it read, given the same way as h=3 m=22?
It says h=9 m=3
